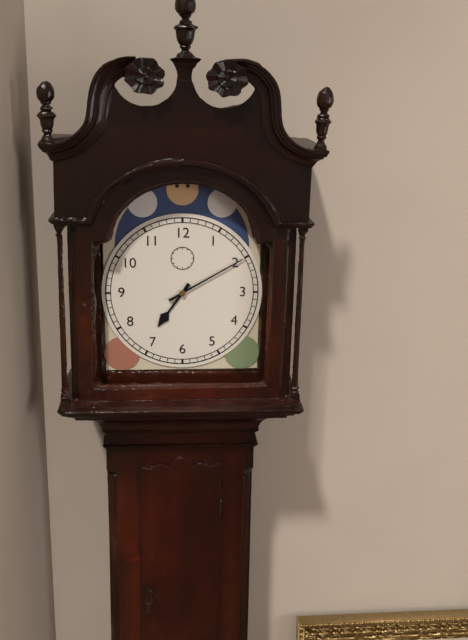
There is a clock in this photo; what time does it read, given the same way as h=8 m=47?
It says h=7 m=10
